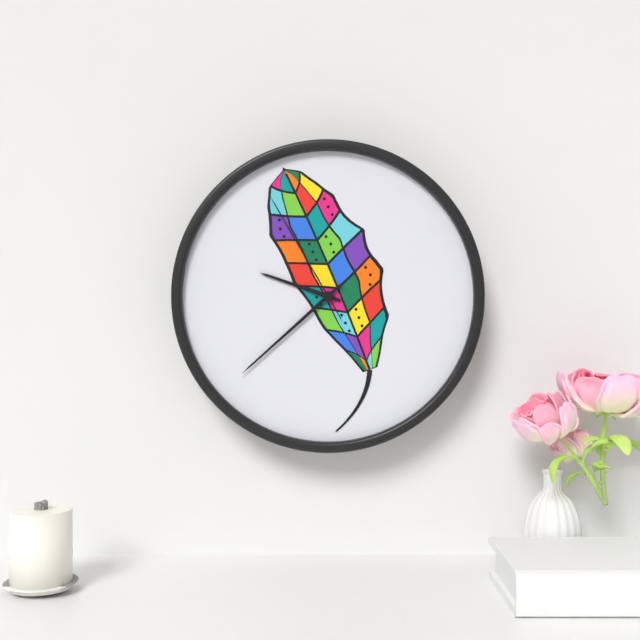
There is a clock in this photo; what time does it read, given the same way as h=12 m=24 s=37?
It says h=9 m=38 s=55
